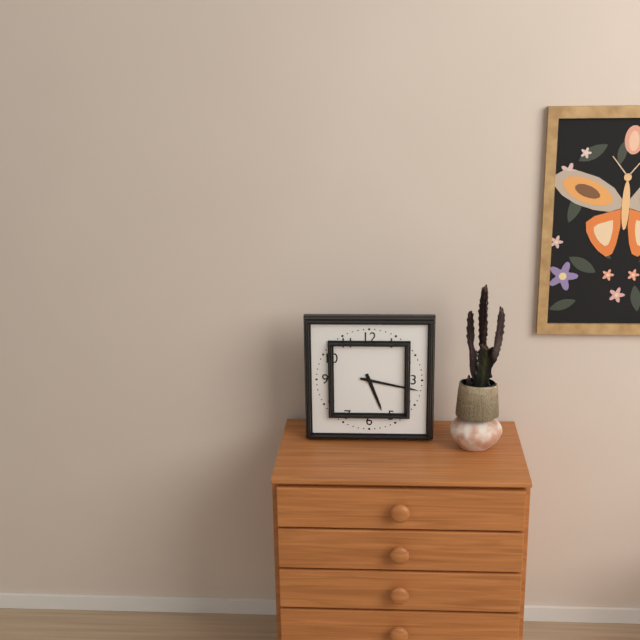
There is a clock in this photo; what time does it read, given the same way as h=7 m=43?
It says h=5 m=17
